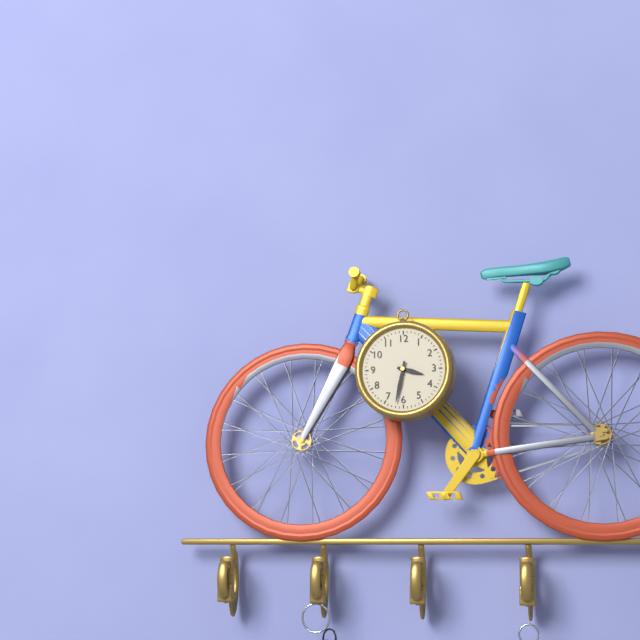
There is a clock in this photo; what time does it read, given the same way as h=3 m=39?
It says h=3 m=32
